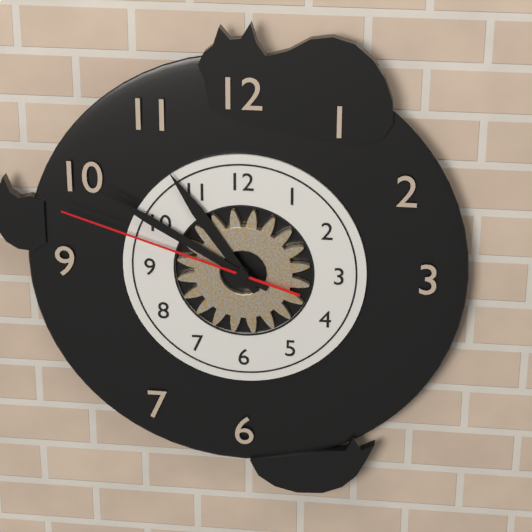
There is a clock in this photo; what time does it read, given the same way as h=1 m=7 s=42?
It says h=10 m=50 s=48
